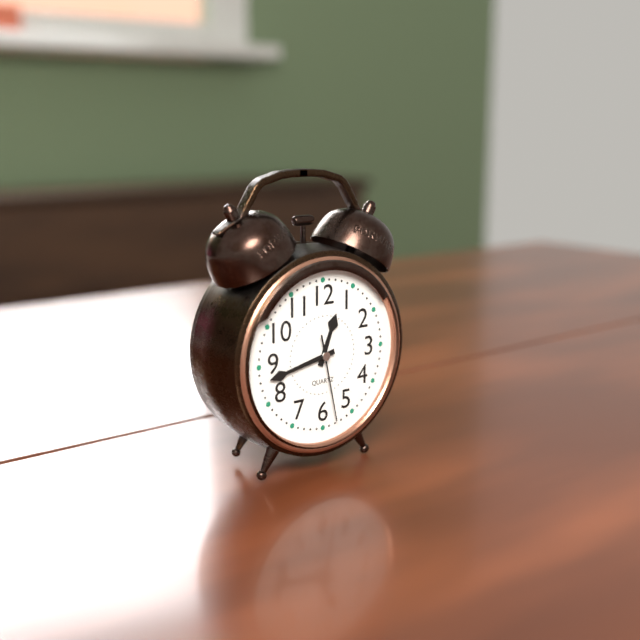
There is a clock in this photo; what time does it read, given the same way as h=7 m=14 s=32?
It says h=12 m=43 s=28
